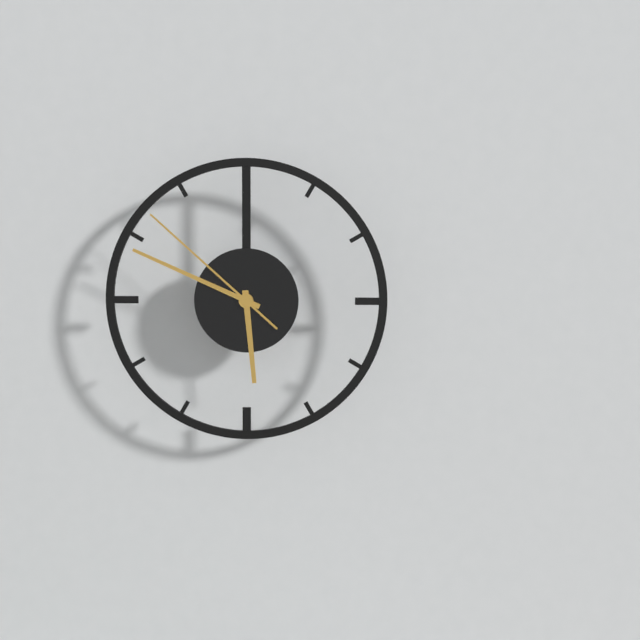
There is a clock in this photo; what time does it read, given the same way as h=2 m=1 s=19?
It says h=5 m=49 s=52
